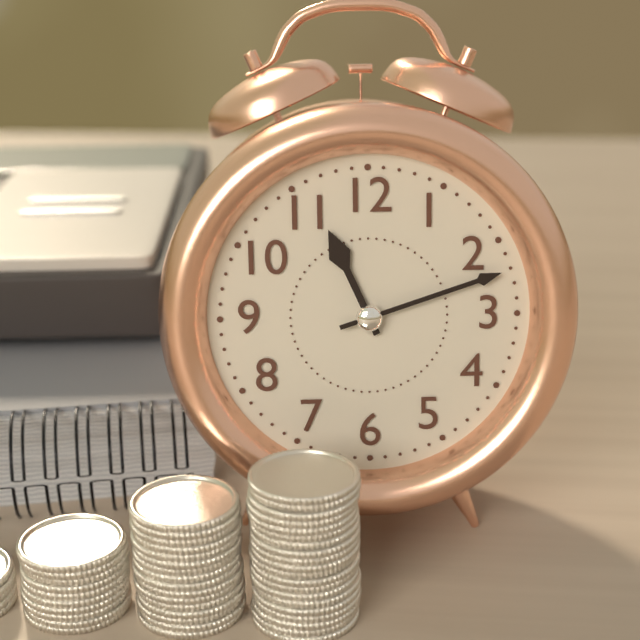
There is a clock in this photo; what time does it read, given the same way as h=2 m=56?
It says h=11 m=12
